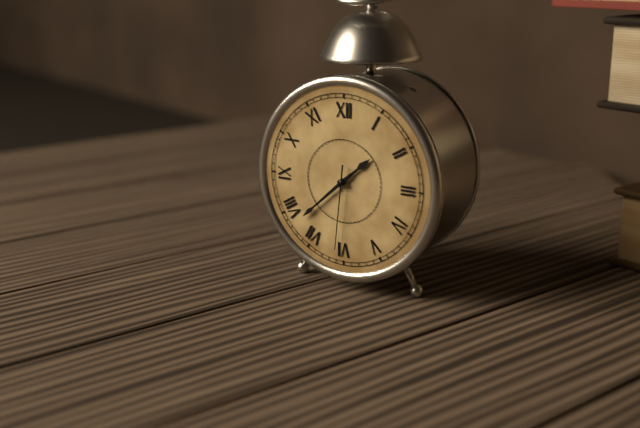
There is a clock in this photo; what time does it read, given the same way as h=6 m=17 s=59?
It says h=1 m=38 s=31
